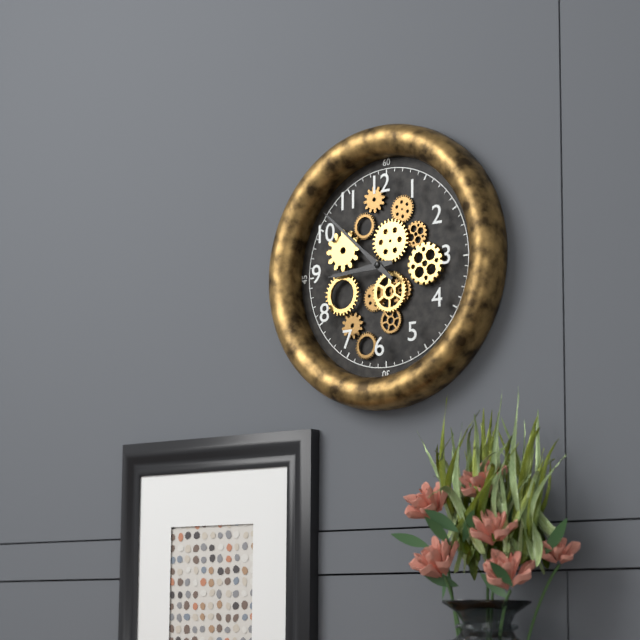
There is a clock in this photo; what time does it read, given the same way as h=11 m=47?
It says h=8 m=52
